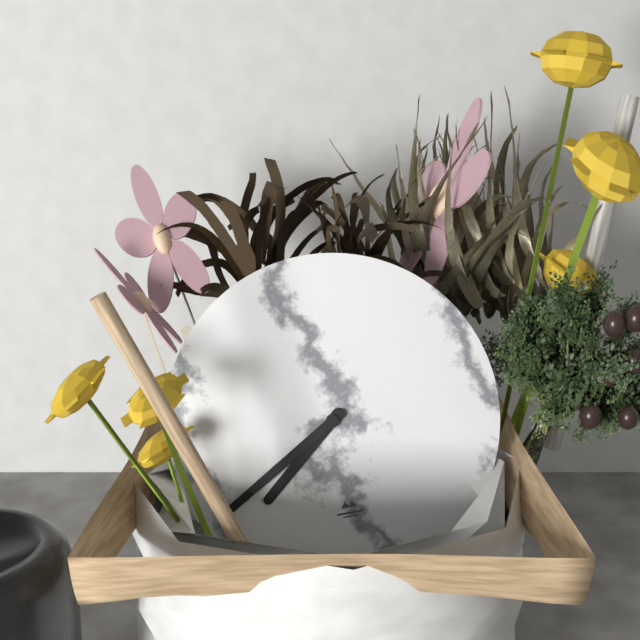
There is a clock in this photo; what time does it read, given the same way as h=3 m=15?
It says h=7 m=40
